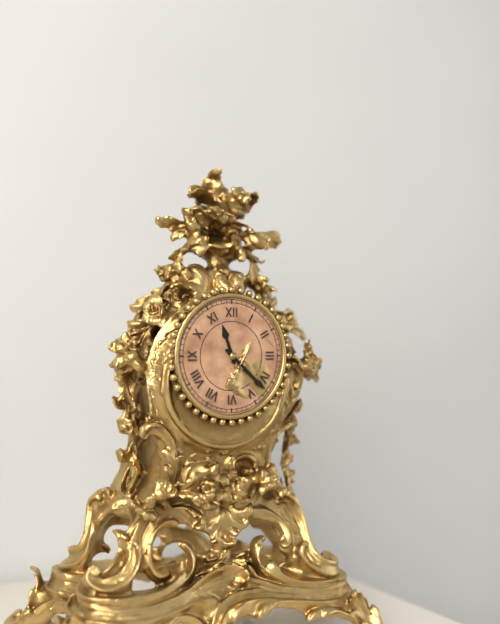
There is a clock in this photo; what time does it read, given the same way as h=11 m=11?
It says h=11 m=22
